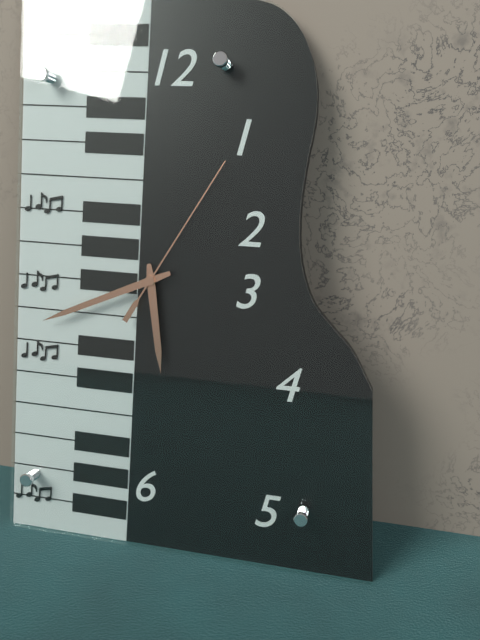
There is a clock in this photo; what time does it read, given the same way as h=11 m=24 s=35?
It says h=5 m=41 s=5
